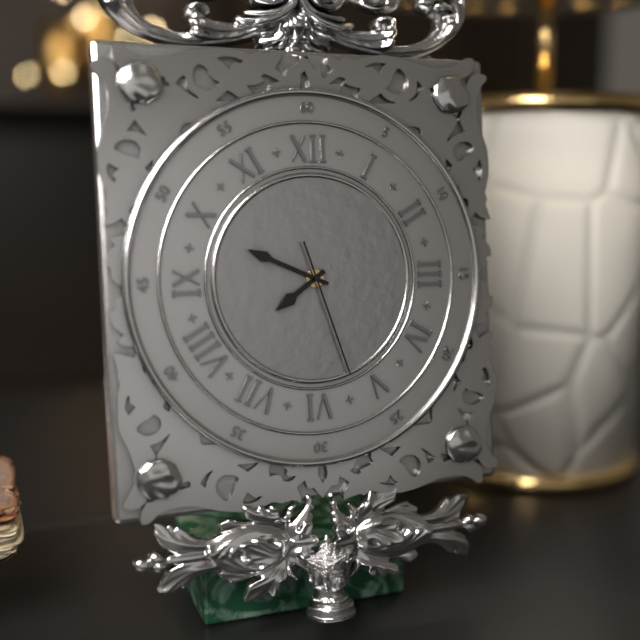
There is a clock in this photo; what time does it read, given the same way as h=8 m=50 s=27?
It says h=7 m=49 s=27
